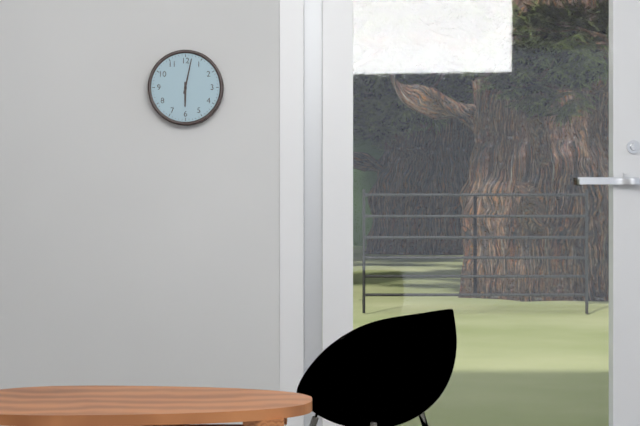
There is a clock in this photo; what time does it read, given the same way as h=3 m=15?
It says h=6 m=2
